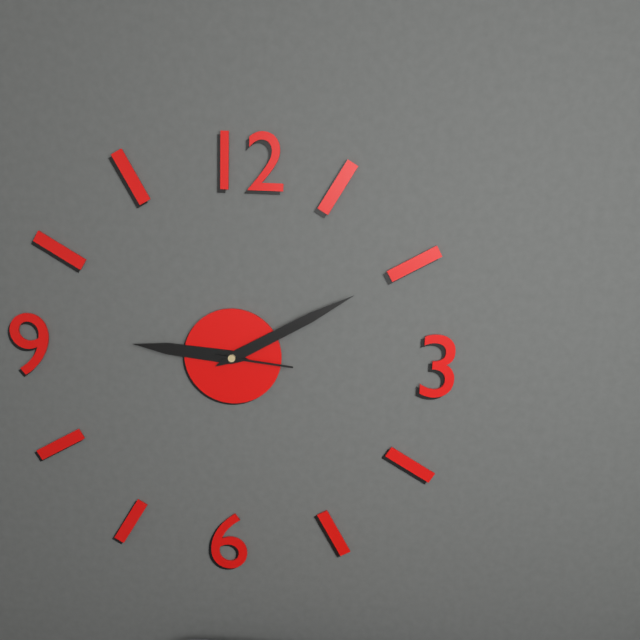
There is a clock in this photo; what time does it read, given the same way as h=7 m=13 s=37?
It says h=9 m=10 s=16
